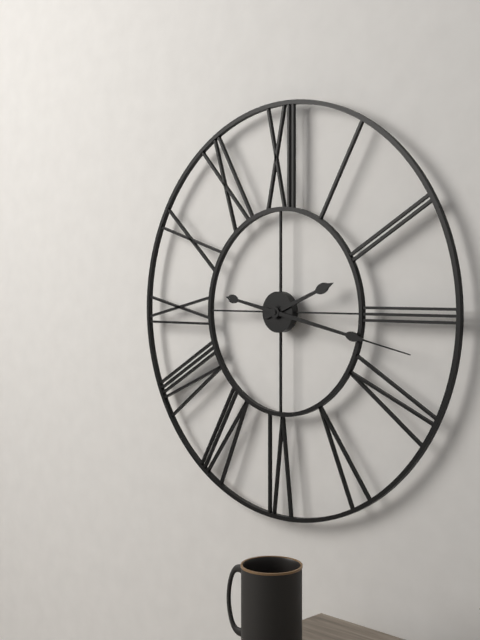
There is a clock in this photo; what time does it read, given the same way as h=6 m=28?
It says h=2 m=17
